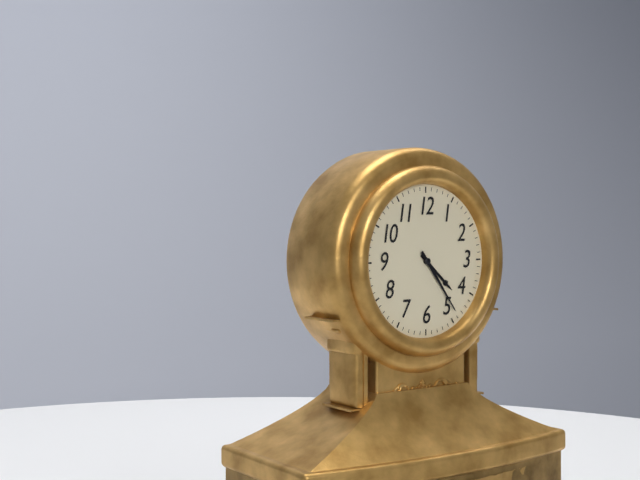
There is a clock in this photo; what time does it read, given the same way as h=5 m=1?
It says h=4 m=24
